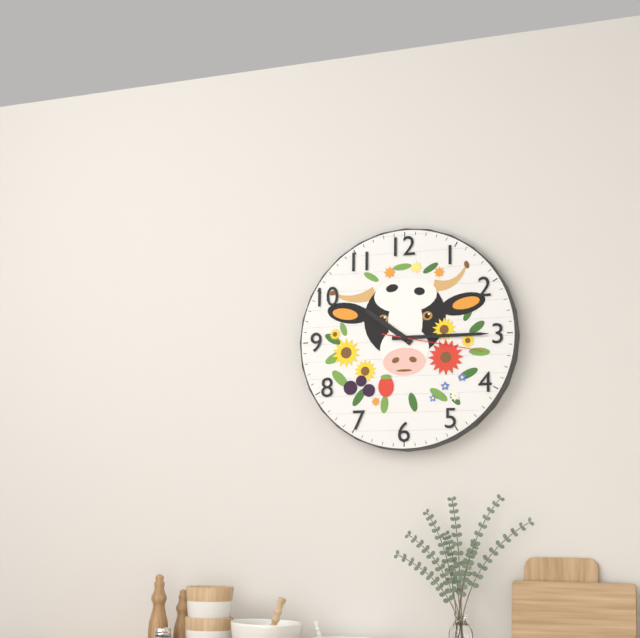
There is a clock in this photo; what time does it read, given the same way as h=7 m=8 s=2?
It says h=10 m=15 s=17
